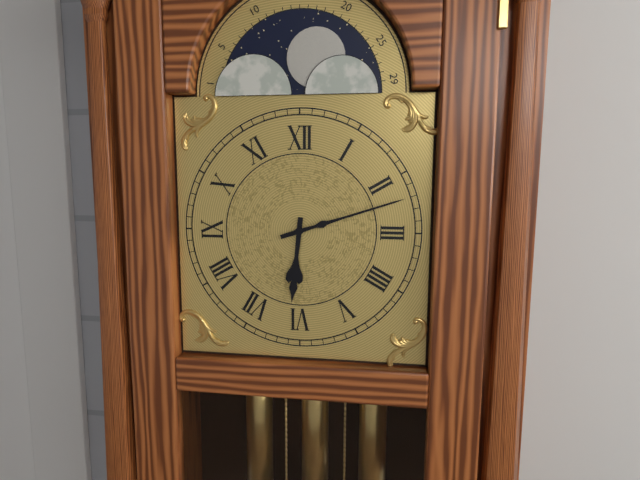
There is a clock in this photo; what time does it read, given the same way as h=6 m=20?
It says h=6 m=12
